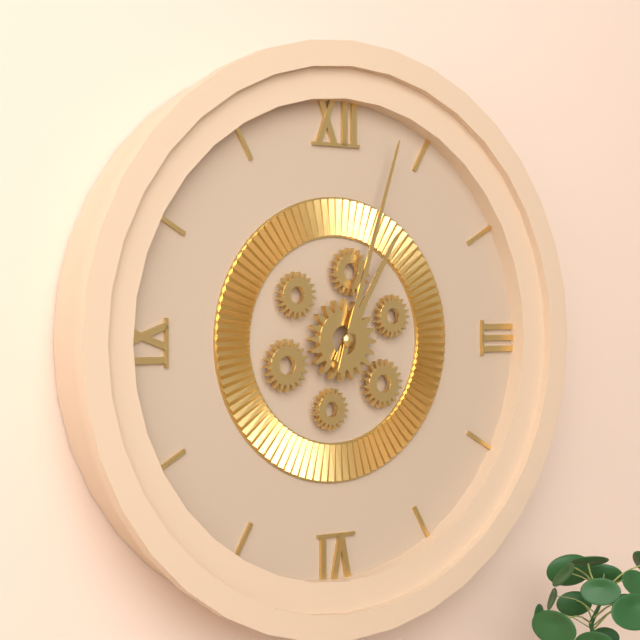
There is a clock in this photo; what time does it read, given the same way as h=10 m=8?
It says h=1 m=3
